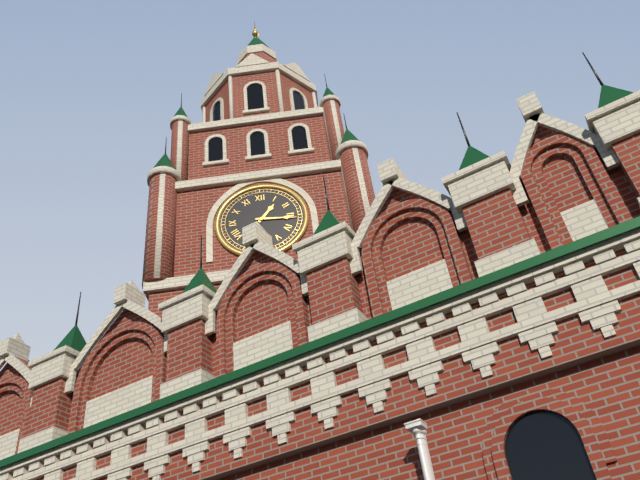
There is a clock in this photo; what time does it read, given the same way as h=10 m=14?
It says h=1 m=16
